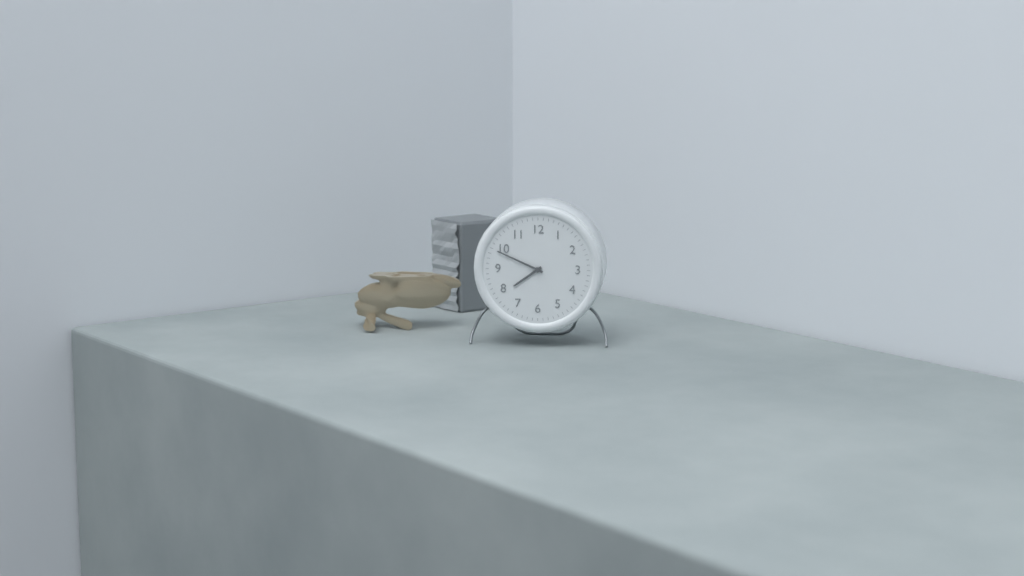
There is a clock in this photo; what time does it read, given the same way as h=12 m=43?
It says h=7 m=49
